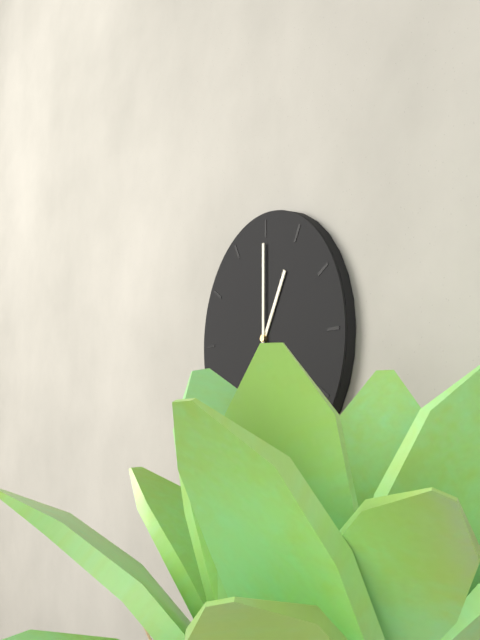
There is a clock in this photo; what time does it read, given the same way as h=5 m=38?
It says h=1 m=0
